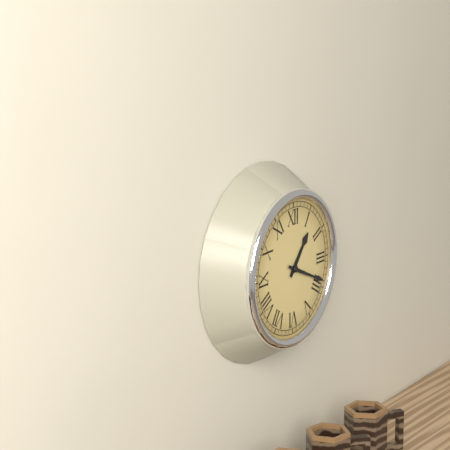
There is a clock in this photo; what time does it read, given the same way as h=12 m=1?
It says h=1 m=19
